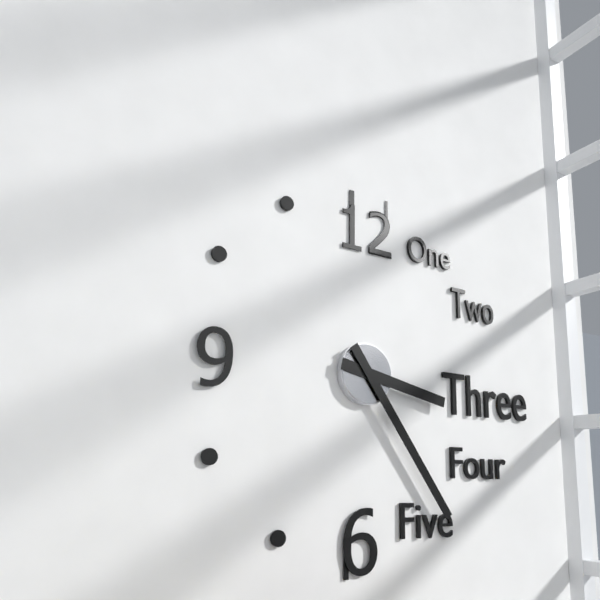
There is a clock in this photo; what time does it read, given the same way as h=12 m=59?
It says h=3 m=24
